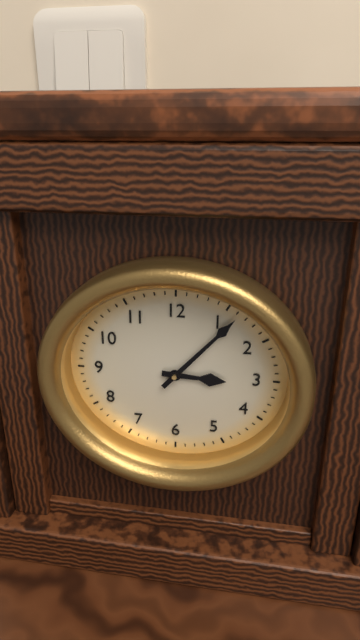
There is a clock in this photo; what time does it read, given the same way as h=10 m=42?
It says h=3 m=7
